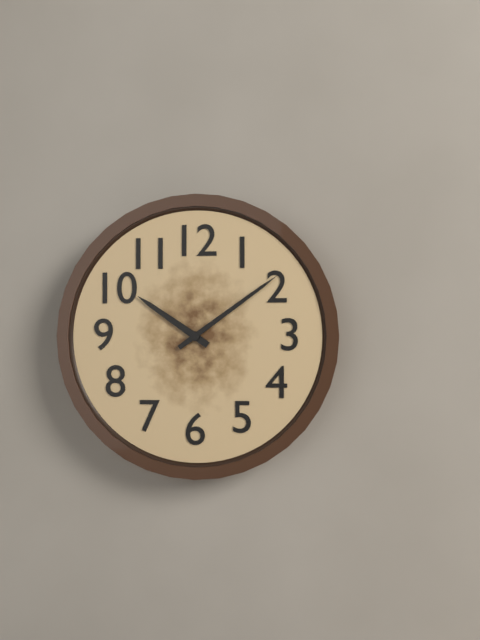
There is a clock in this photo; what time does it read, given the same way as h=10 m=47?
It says h=10 m=9
